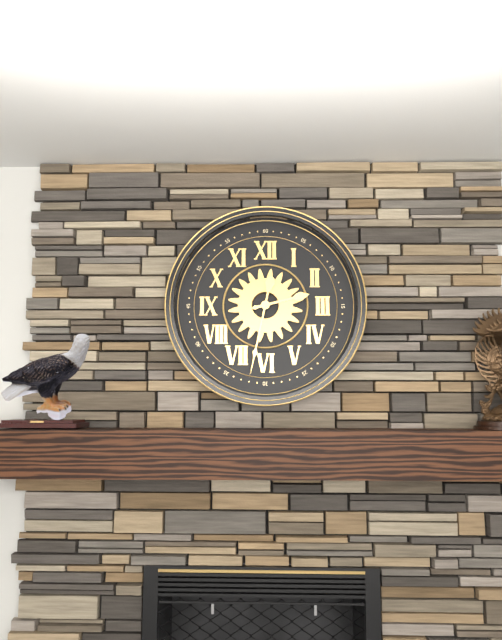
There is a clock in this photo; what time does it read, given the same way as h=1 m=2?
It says h=2 m=32
